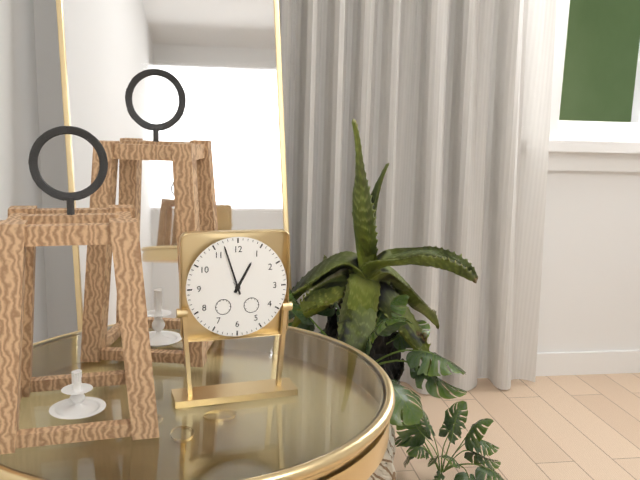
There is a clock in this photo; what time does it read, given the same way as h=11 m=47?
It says h=12 m=57
